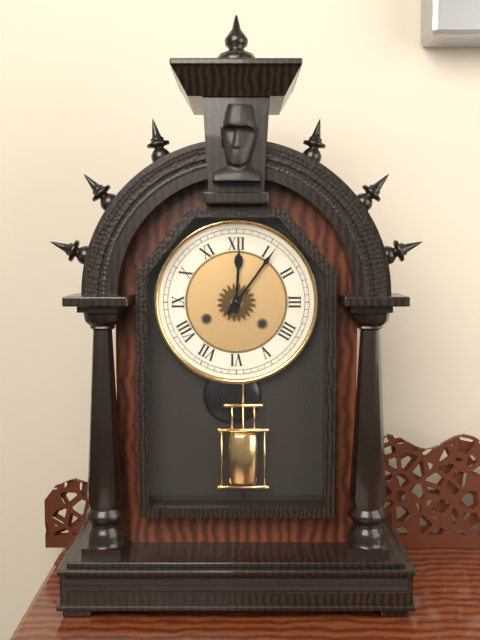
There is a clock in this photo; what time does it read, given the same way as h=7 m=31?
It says h=12 m=6
